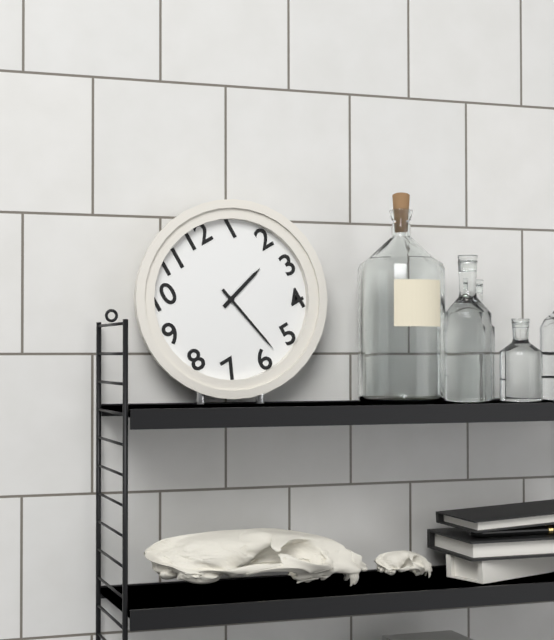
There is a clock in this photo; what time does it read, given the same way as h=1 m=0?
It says h=2 m=28
